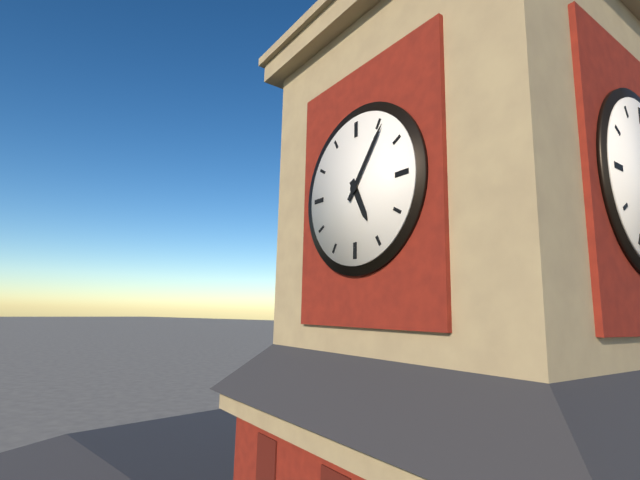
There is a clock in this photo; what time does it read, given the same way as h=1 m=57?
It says h=5 m=6
